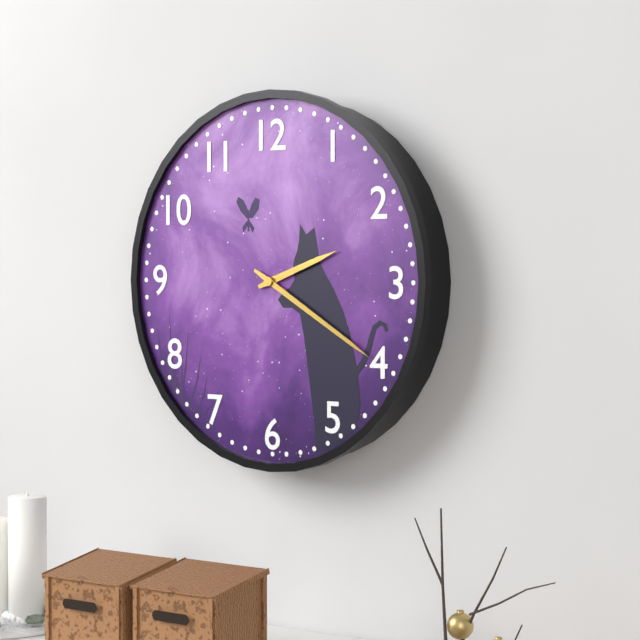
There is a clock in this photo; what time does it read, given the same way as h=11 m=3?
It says h=2 m=20
